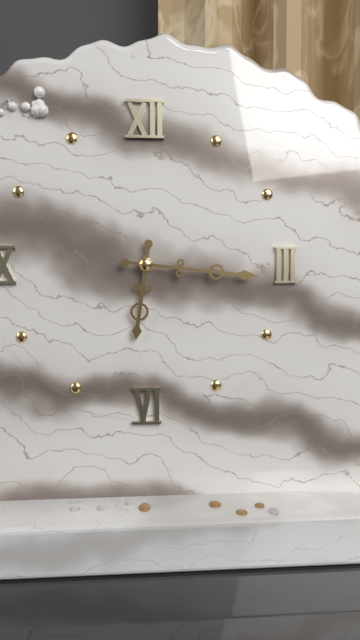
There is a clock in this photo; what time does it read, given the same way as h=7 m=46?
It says h=6 m=16
